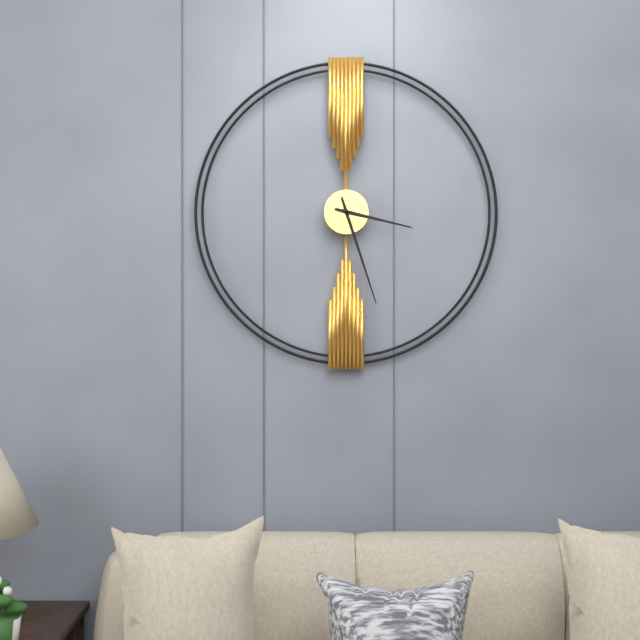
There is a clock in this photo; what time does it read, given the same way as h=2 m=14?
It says h=3 m=27
